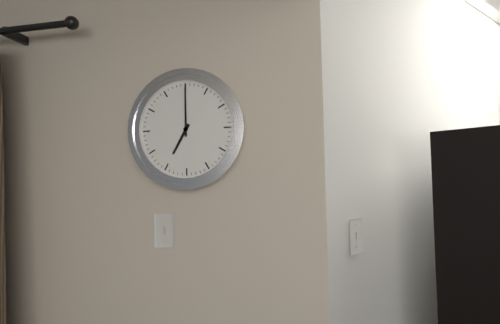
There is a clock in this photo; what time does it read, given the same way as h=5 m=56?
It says h=7 m=0
